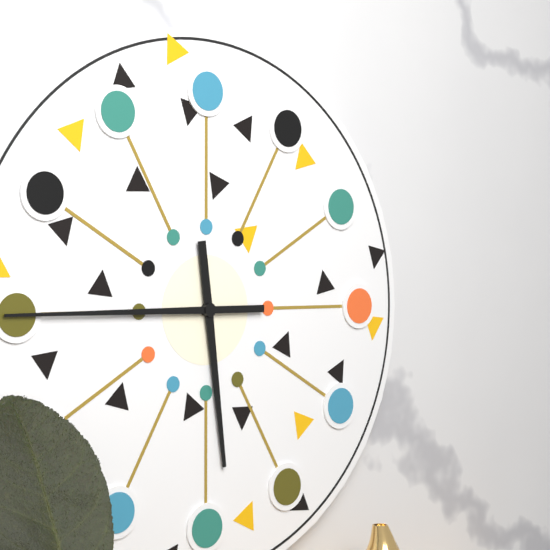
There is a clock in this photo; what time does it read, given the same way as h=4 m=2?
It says h=5 m=45
